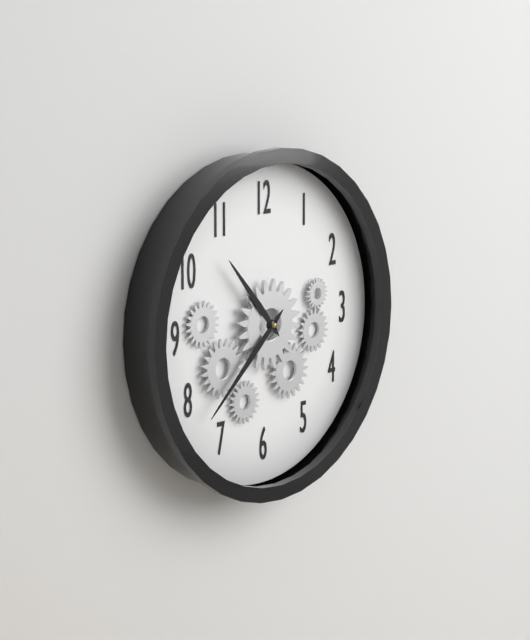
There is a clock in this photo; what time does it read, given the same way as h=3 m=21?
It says h=10 m=38
